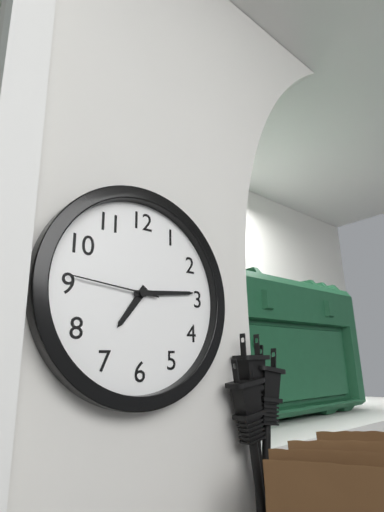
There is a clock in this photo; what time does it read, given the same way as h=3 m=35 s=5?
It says h=7 m=14 s=46
